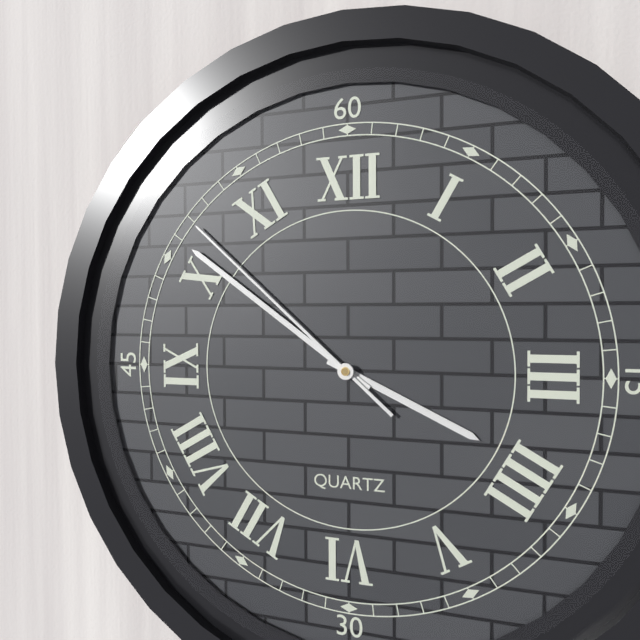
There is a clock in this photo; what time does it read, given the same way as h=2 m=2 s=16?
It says h=3 m=51 s=52
